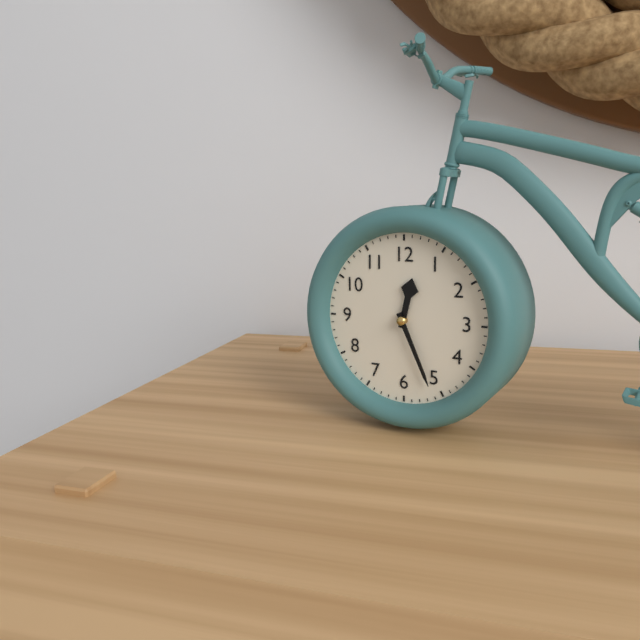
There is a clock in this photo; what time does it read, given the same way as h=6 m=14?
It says h=12 m=26
